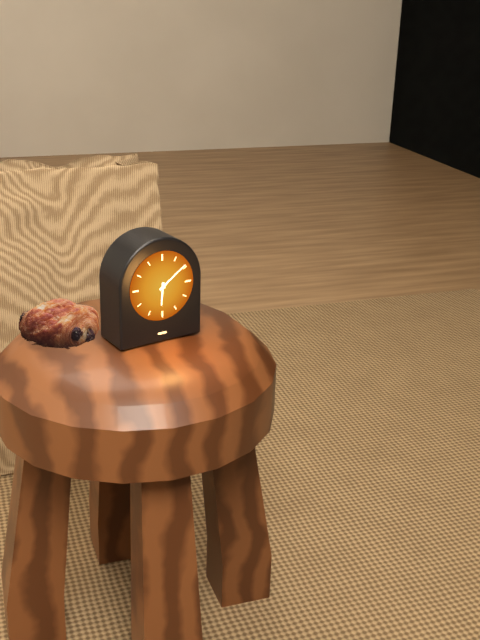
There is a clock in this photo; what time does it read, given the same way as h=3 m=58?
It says h=6 m=9
